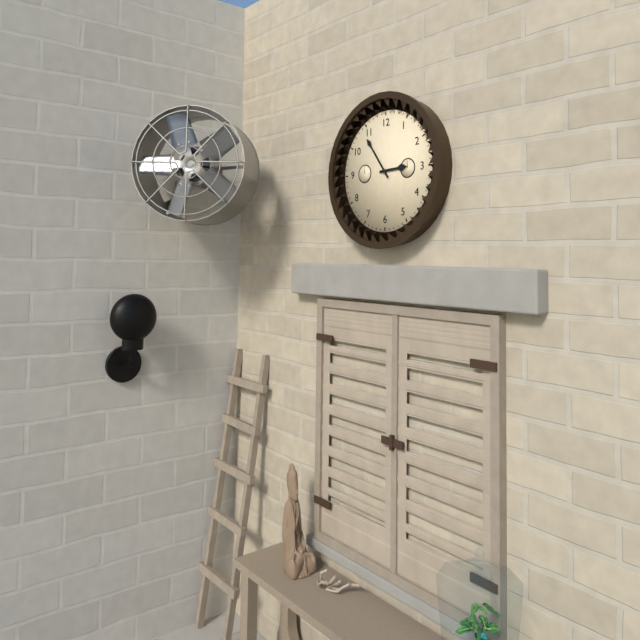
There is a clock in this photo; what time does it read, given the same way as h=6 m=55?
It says h=2 m=54
